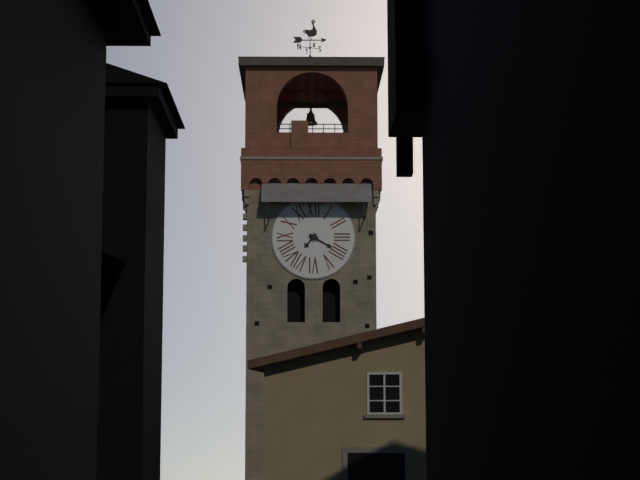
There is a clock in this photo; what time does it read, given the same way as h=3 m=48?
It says h=7 m=20
